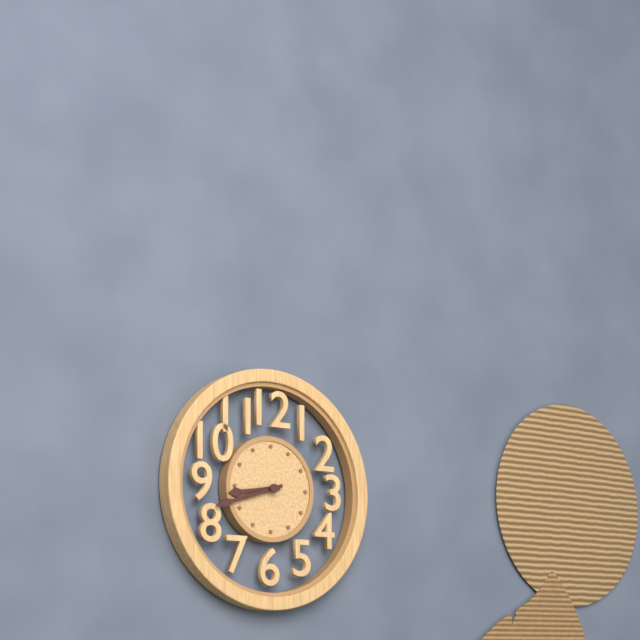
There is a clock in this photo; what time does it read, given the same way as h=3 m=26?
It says h=8 m=42
